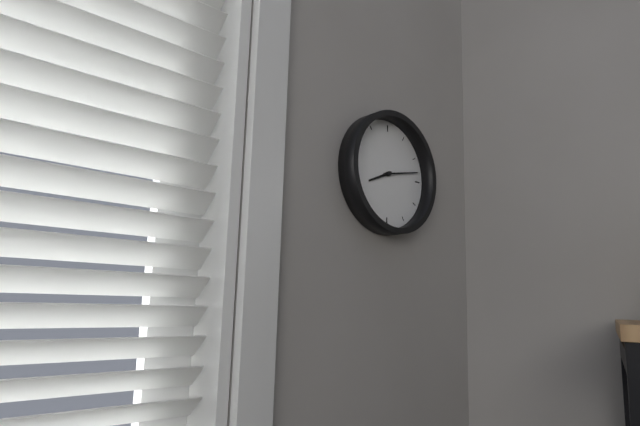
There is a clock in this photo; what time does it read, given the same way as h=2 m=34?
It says h=8 m=13
